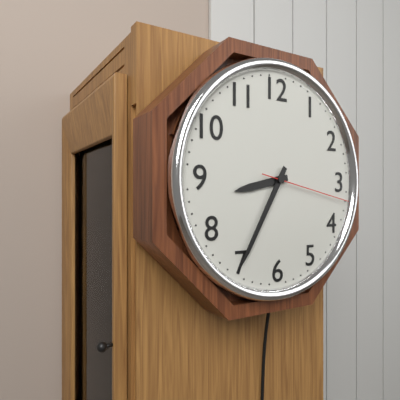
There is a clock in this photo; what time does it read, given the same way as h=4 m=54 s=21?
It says h=8 m=35 s=17
